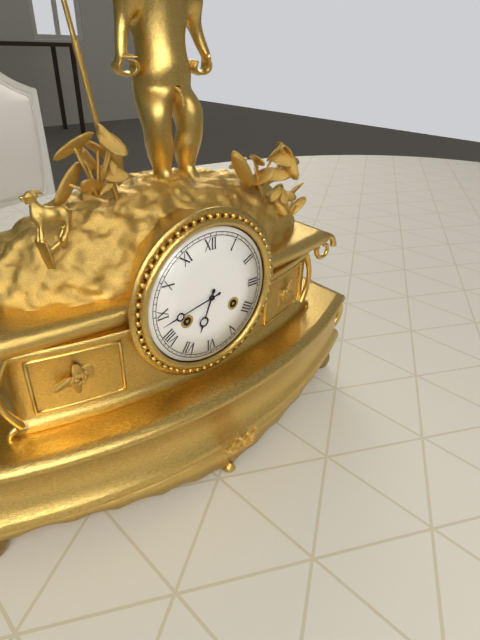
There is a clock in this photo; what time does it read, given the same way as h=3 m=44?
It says h=6 m=43
